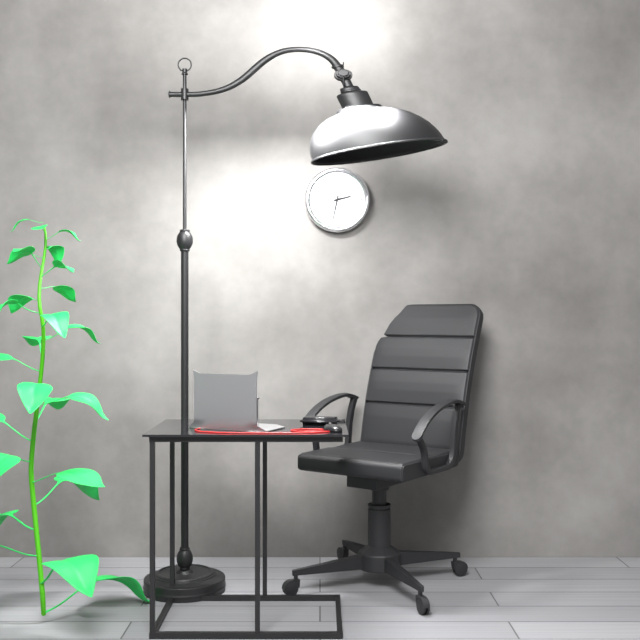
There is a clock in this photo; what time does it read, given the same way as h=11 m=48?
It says h=2 m=32
